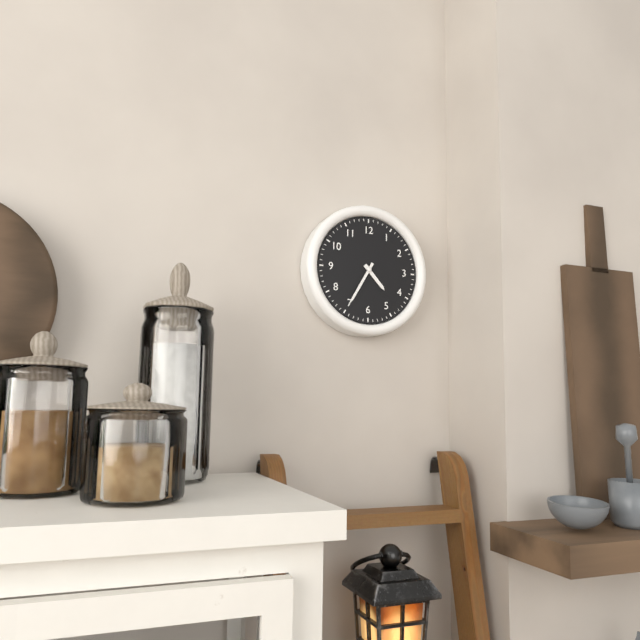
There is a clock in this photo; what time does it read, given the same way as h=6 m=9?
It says h=4 m=35
